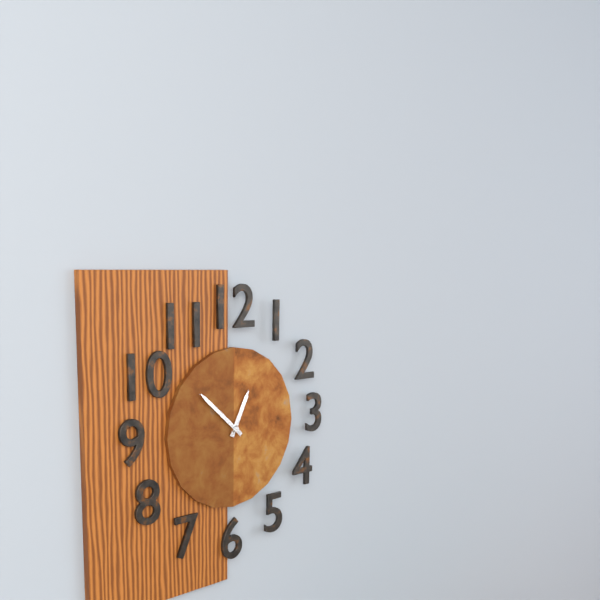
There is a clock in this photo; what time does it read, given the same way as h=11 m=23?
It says h=12 m=52
